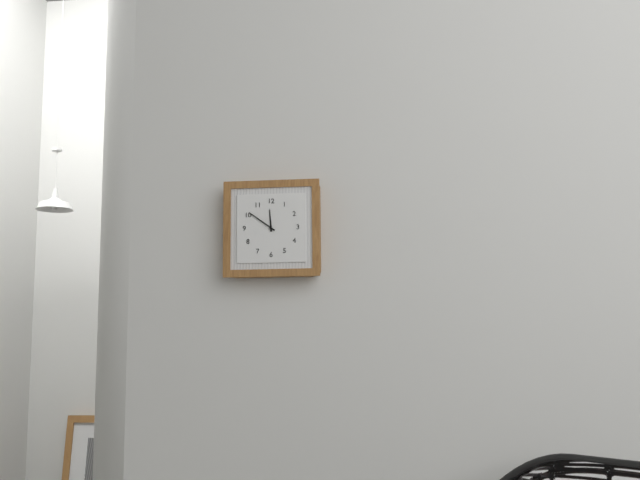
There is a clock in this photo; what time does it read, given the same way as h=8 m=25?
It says h=11 m=51
